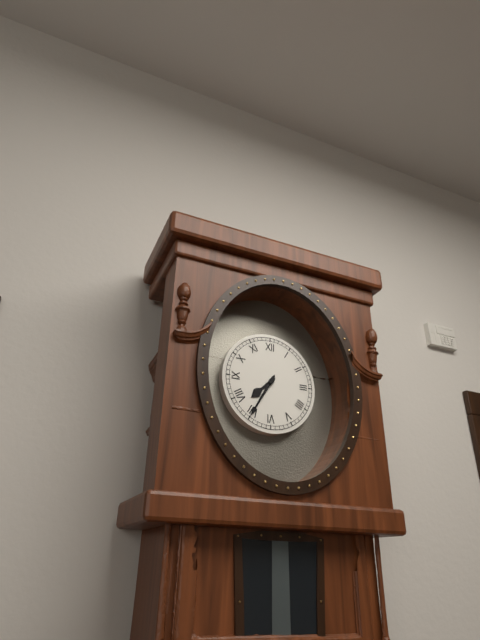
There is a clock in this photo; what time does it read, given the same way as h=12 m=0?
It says h=7 m=35
